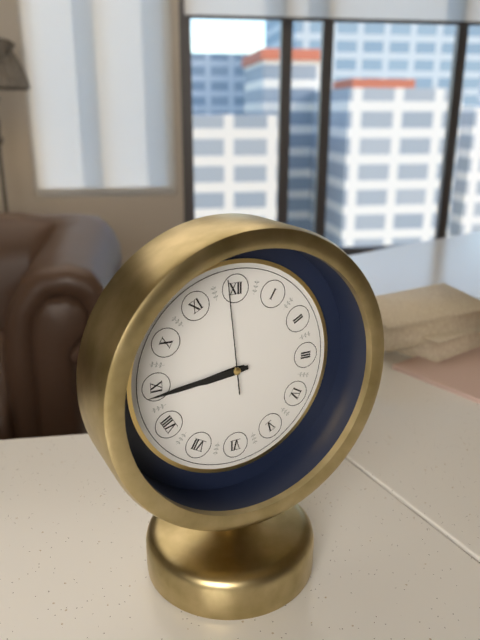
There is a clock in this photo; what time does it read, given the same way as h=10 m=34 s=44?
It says h=8 m=44 s=59
